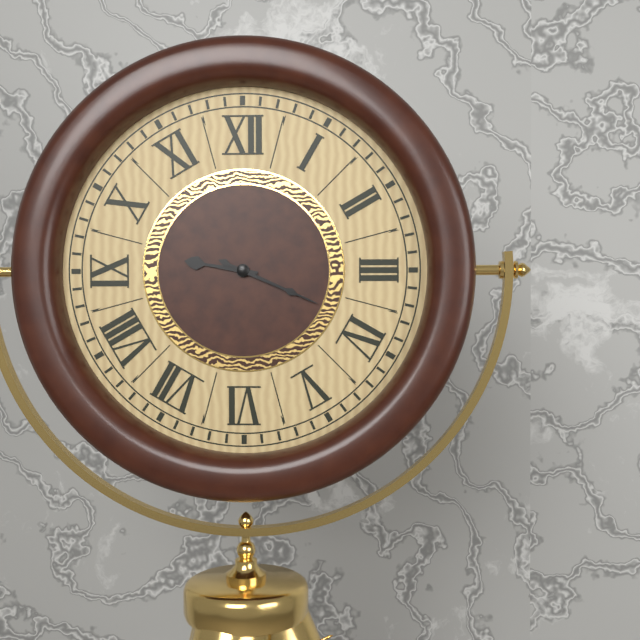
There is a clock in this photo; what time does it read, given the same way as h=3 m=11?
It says h=9 m=19
